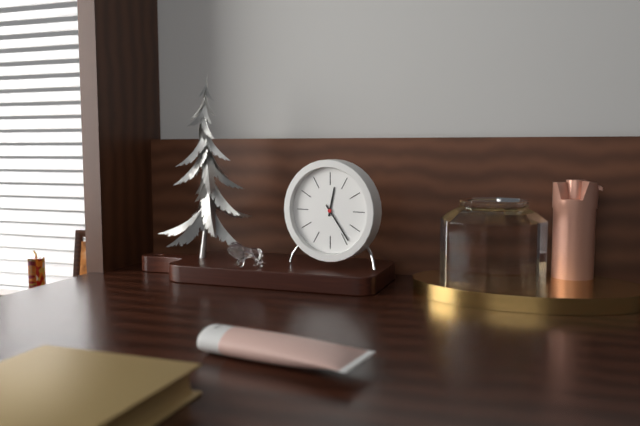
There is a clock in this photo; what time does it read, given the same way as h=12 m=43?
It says h=12 m=24
